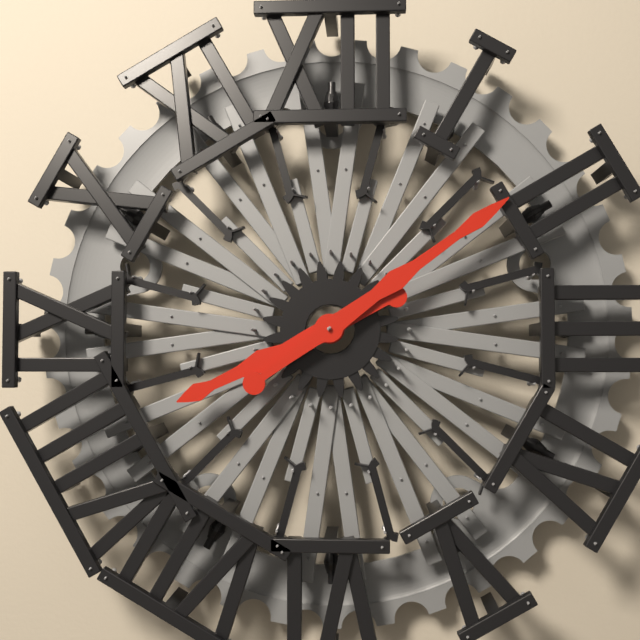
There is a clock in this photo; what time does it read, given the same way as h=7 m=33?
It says h=8 m=9
